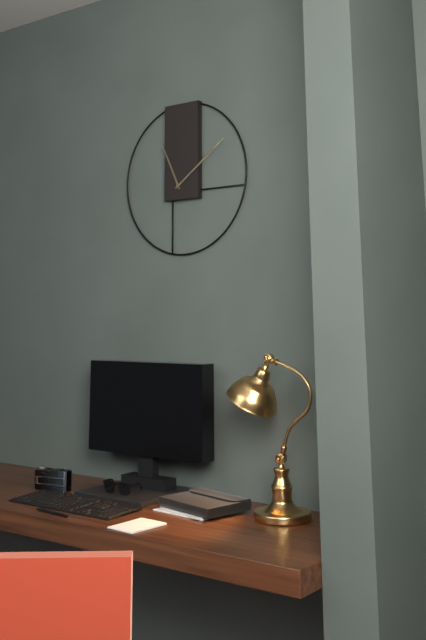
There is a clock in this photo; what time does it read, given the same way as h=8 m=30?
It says h=11 m=9
